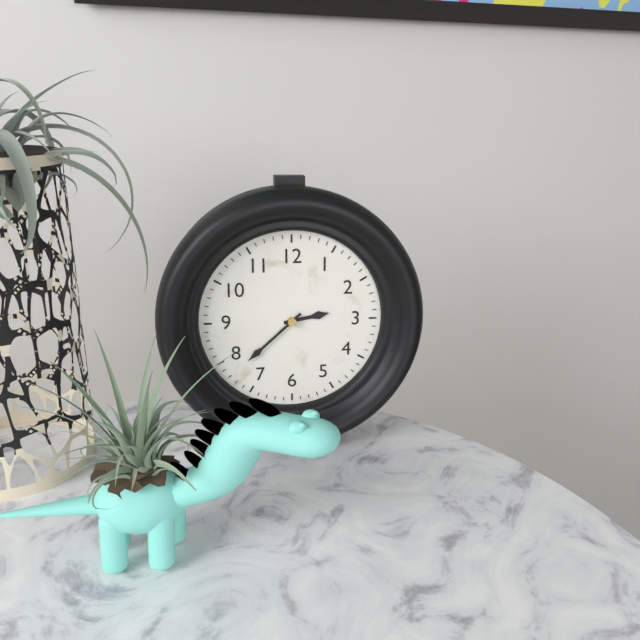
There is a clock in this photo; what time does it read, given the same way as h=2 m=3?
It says h=2 m=38
